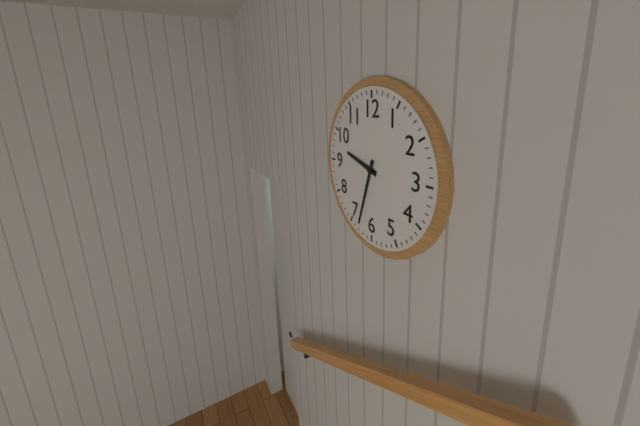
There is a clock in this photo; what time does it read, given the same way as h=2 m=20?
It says h=9 m=33
